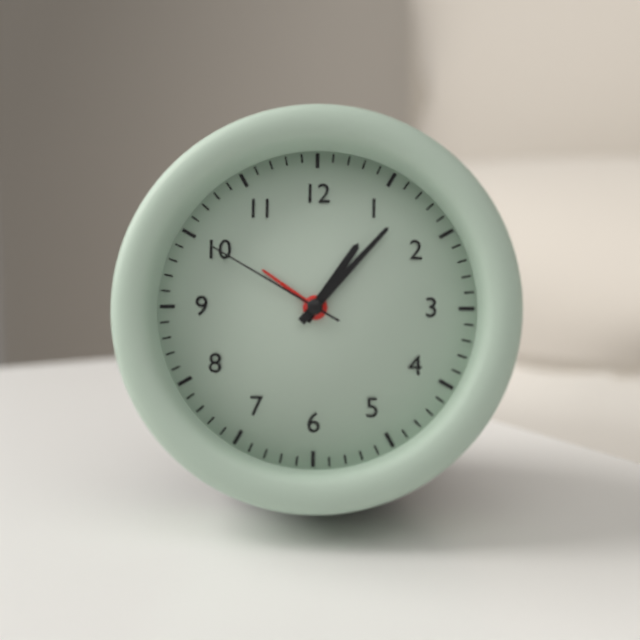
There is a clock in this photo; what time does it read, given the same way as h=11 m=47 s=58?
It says h=1 m=7 s=50
